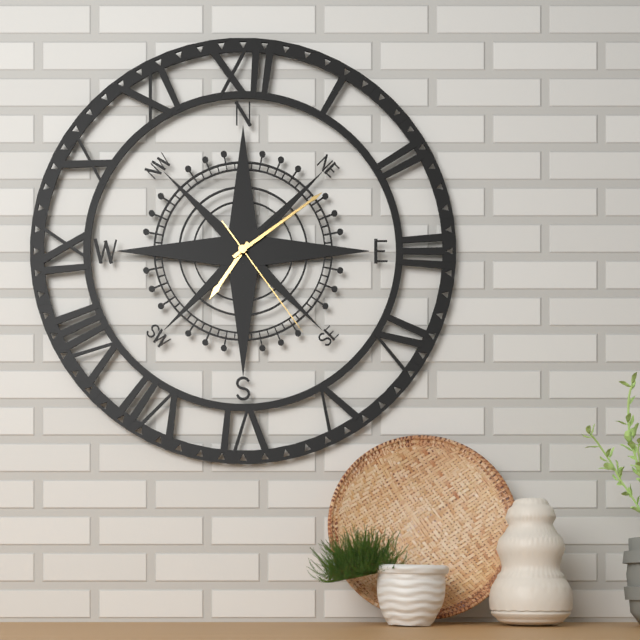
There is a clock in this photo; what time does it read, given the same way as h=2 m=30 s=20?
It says h=7 m=9 s=24
